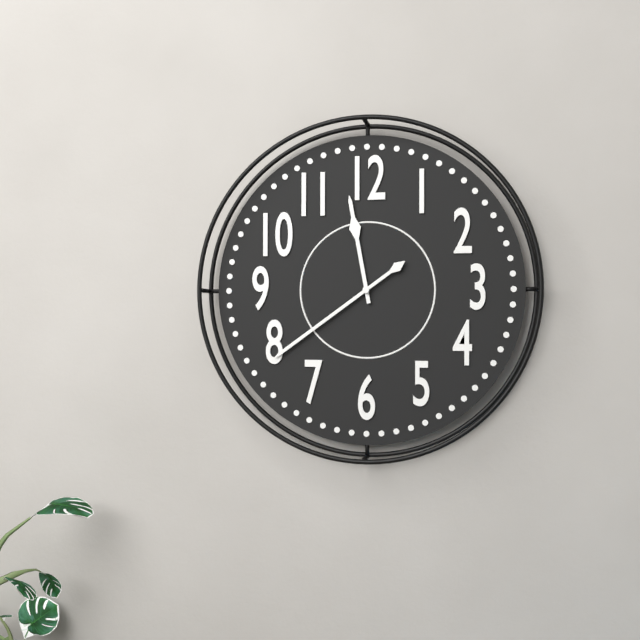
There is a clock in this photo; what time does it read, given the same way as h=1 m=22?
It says h=11 m=39
